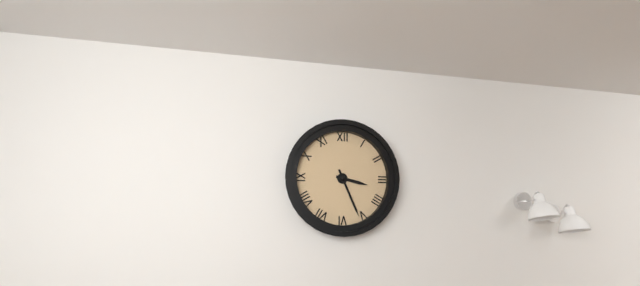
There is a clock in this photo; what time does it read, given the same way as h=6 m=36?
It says h=3 m=26
